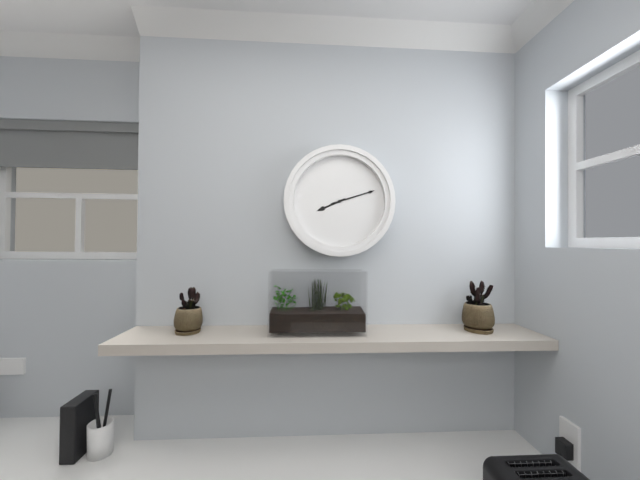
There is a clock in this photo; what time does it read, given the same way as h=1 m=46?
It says h=8 m=12
